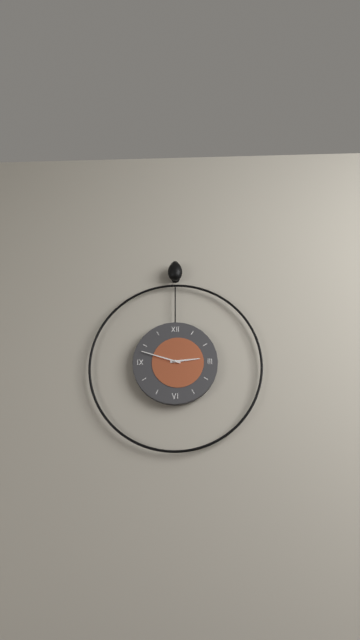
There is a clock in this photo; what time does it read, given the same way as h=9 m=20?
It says h=2 m=48
